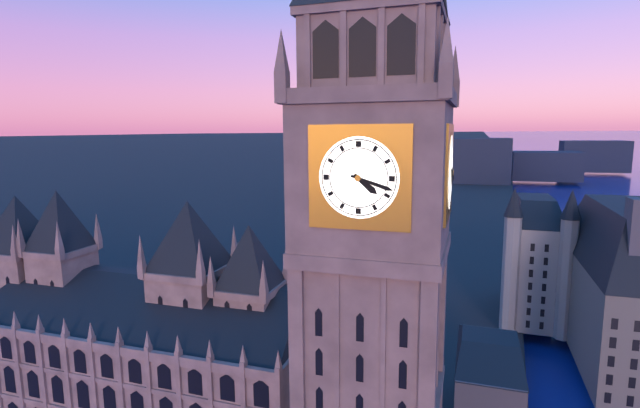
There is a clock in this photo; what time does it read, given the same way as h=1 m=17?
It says h=4 m=18
